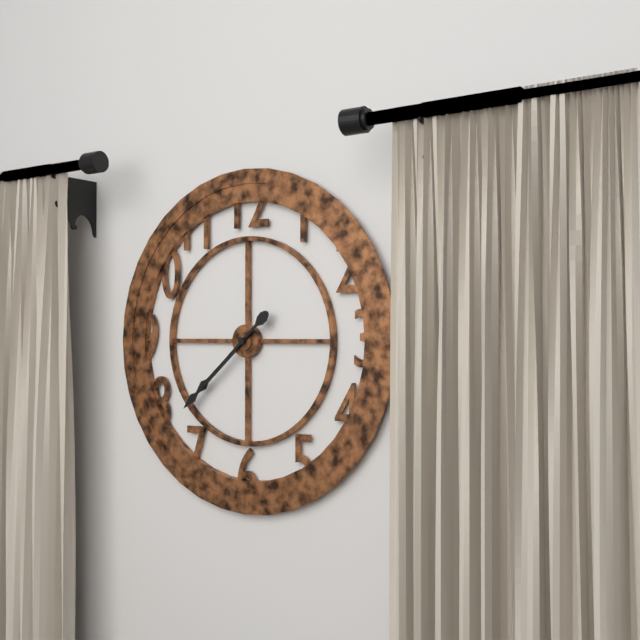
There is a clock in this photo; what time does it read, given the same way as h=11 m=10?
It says h=7 m=38
